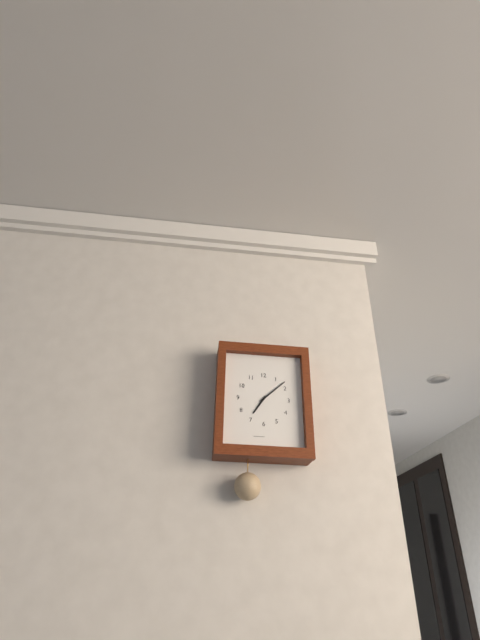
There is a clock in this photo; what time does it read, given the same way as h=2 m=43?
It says h=7 m=8
